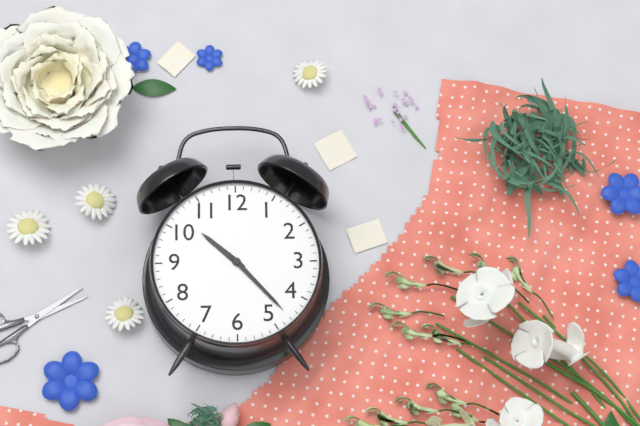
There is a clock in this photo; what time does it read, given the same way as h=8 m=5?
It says h=10 m=23
